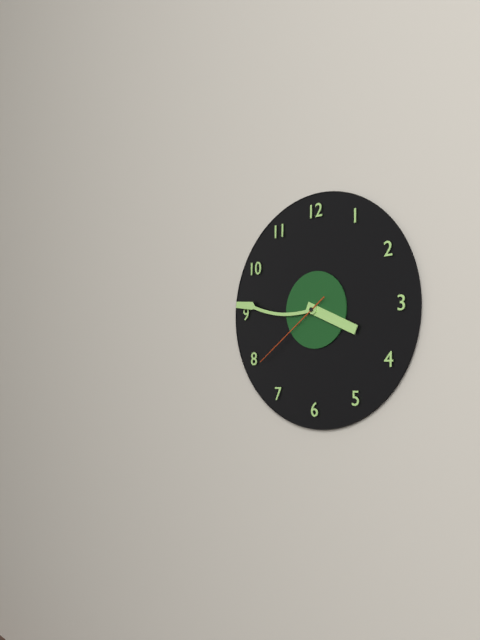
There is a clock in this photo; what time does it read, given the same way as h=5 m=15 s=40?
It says h=3 m=46 s=39
